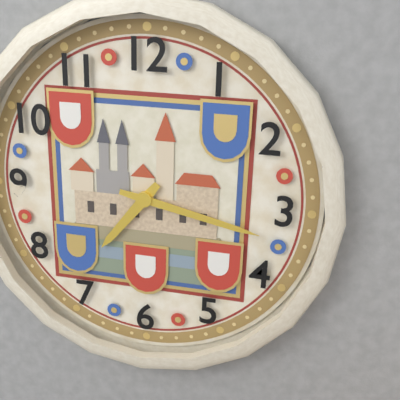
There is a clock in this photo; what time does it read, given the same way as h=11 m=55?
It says h=7 m=17
